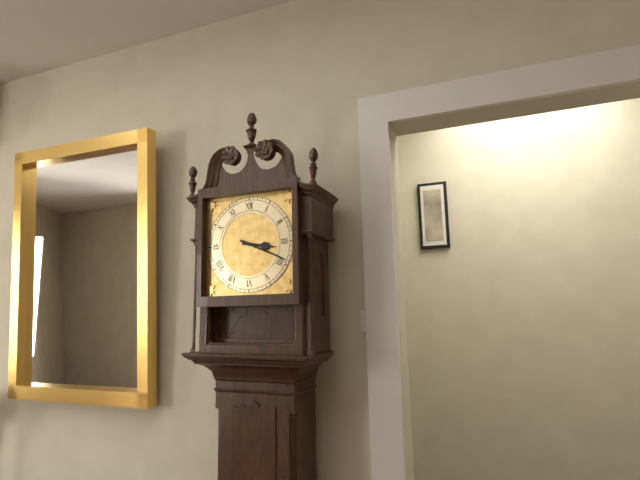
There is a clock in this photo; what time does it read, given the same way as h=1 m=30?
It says h=3 m=19
